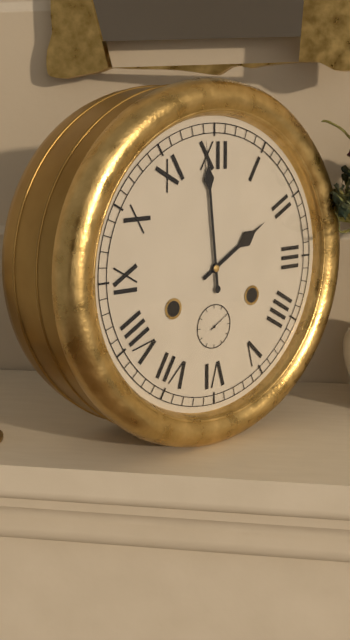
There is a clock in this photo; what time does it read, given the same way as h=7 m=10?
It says h=1 m=59
